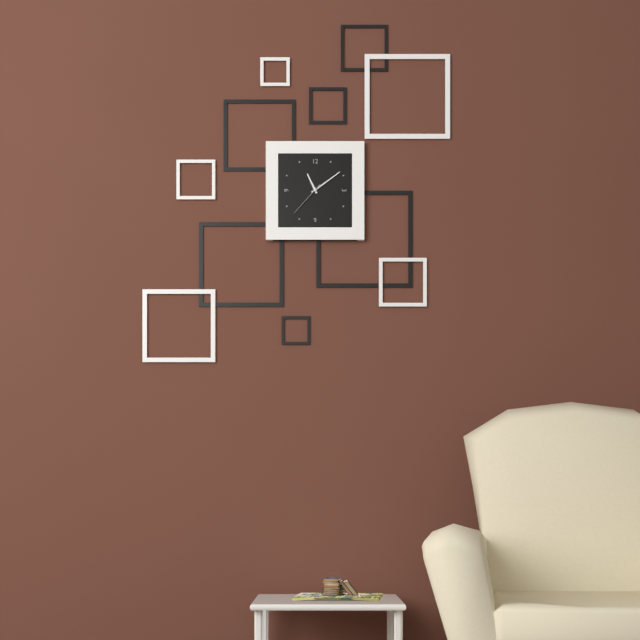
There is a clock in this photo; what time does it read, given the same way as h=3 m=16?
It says h=11 m=9
